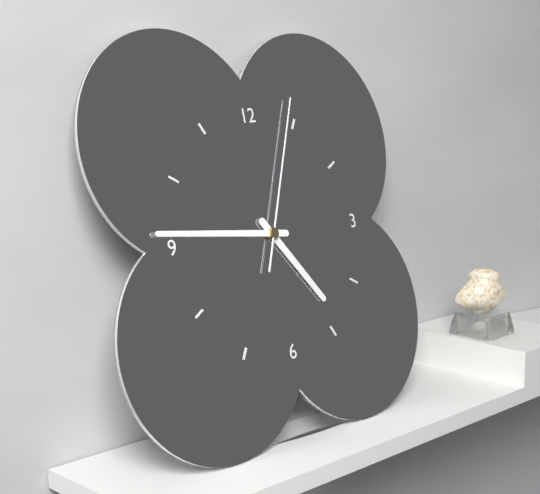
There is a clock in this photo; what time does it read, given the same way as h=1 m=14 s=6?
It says h=4 m=46 s=4
